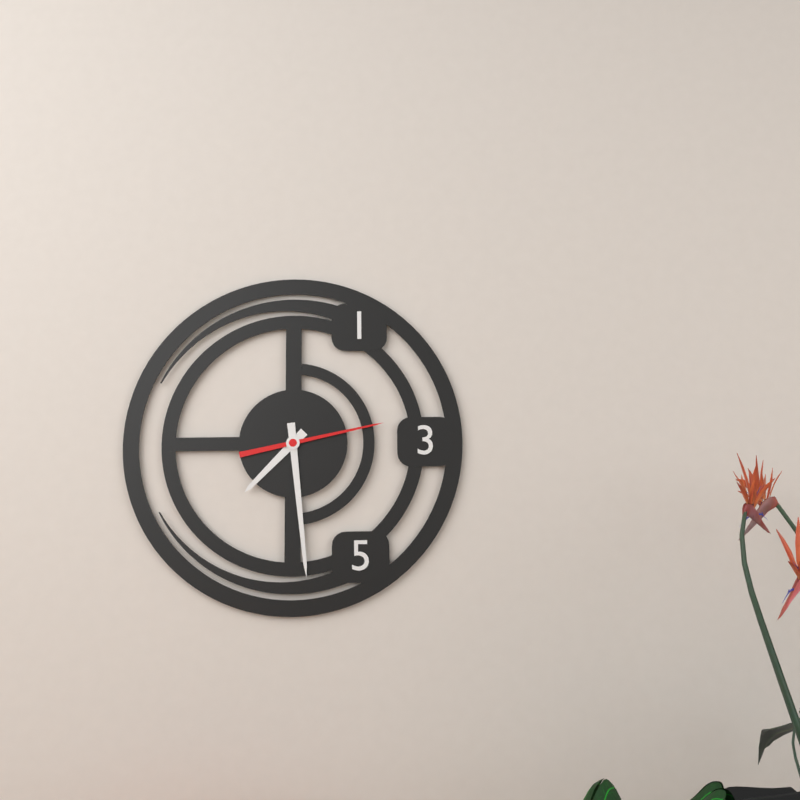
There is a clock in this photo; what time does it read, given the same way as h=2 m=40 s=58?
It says h=7 m=29 s=13
